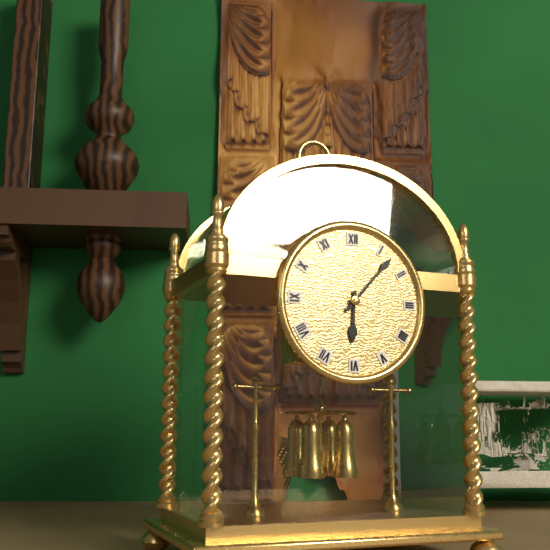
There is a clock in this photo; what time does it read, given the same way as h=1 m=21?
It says h=6 m=7
